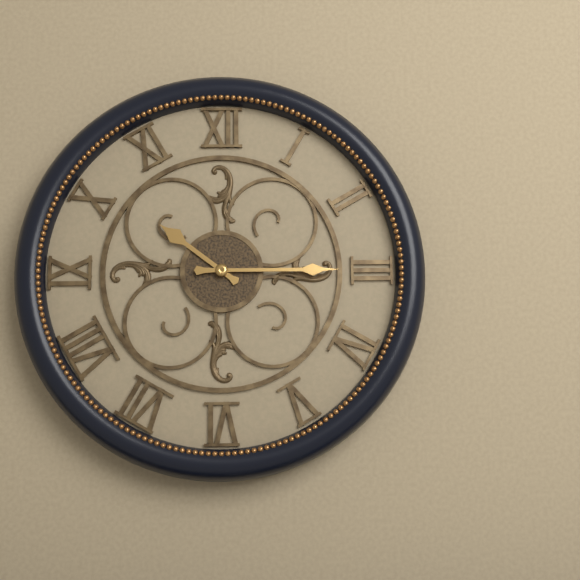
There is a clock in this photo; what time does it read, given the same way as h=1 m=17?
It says h=10 m=15
